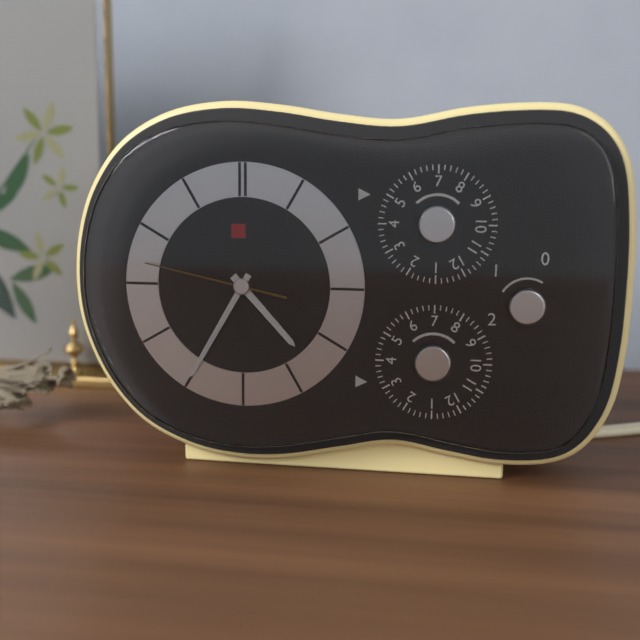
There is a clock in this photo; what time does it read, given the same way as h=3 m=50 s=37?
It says h=4 m=35 s=47
